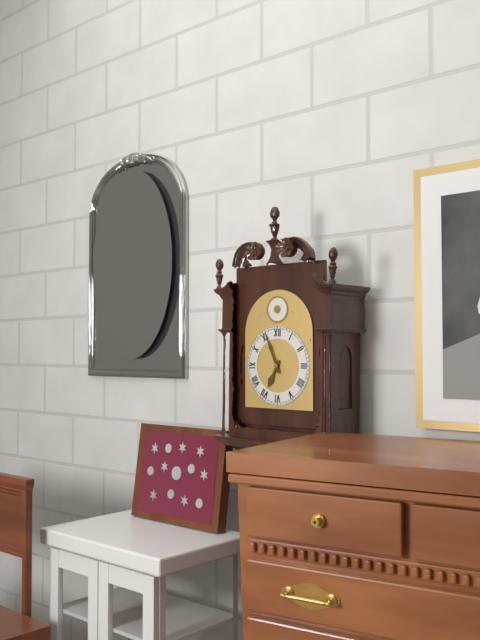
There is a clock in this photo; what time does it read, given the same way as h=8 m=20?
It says h=6 m=56
